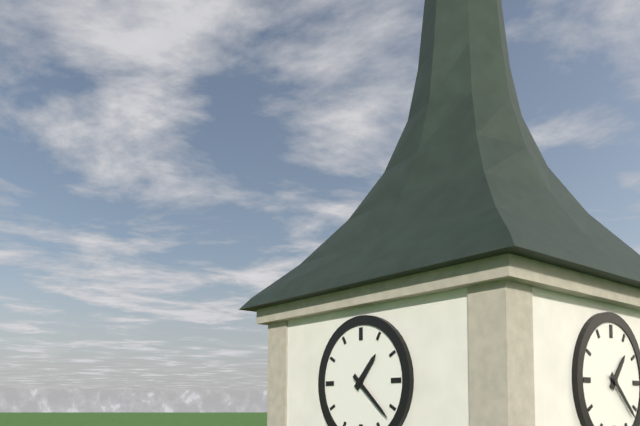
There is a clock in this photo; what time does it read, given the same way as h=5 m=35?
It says h=1 m=22
